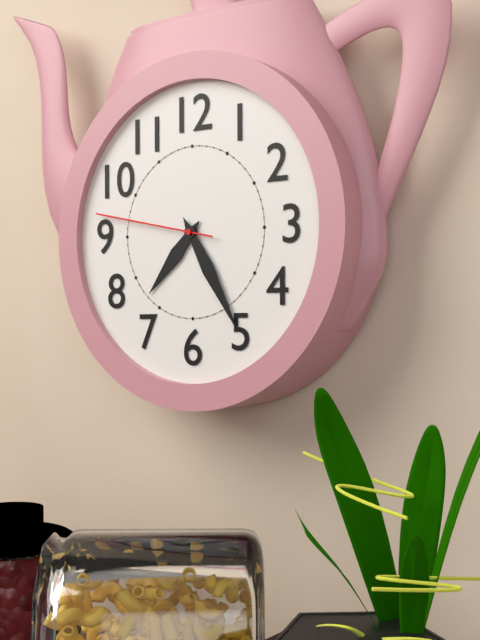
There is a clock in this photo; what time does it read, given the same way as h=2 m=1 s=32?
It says h=7 m=25 s=47
